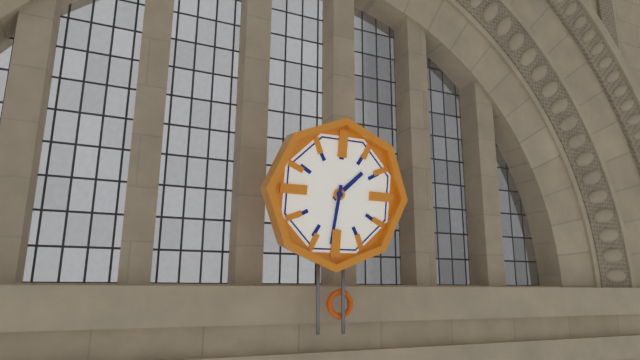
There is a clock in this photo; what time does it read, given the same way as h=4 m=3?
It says h=1 m=31
